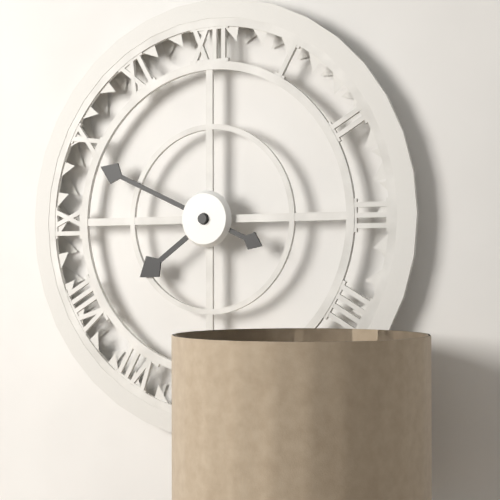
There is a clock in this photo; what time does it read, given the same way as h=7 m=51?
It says h=7 m=49
